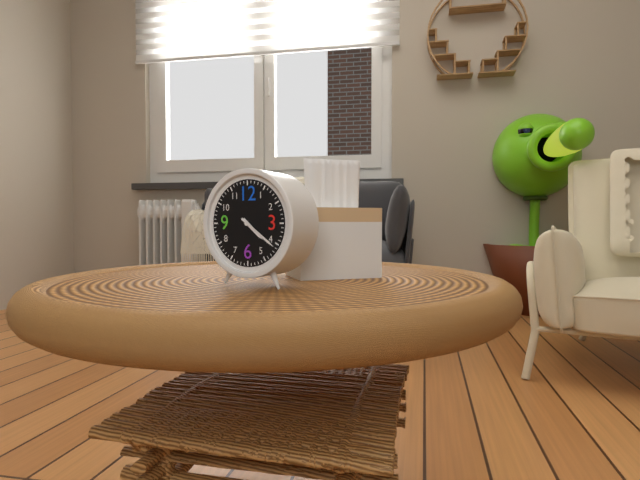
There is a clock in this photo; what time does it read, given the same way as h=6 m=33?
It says h=4 m=21
